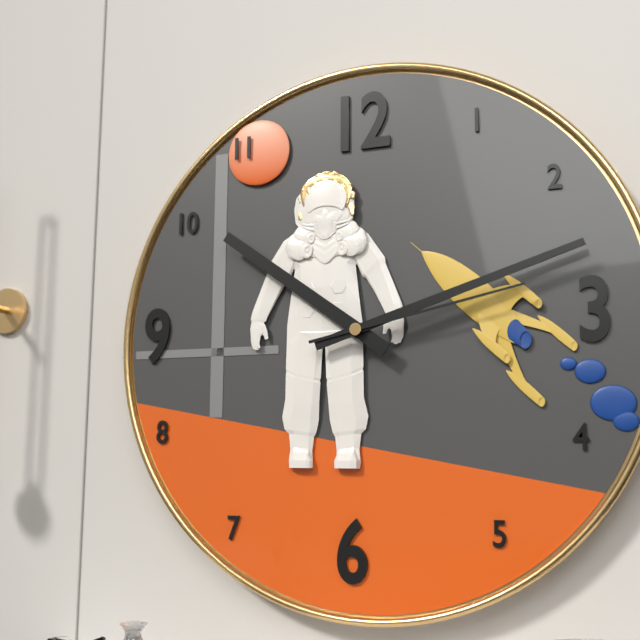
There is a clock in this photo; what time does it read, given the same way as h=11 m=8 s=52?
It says h=10 m=12 s=13
